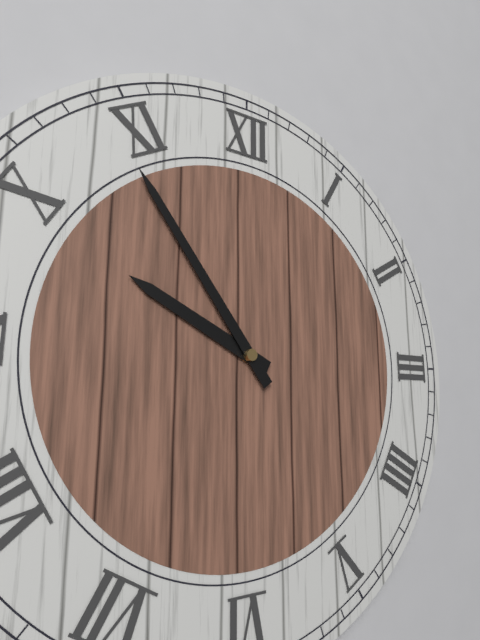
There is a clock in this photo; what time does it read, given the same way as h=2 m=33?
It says h=9 m=54
